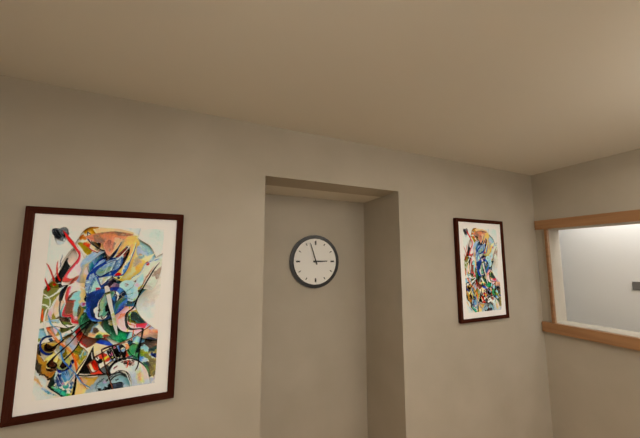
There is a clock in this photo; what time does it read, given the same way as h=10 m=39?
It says h=2 m=57
